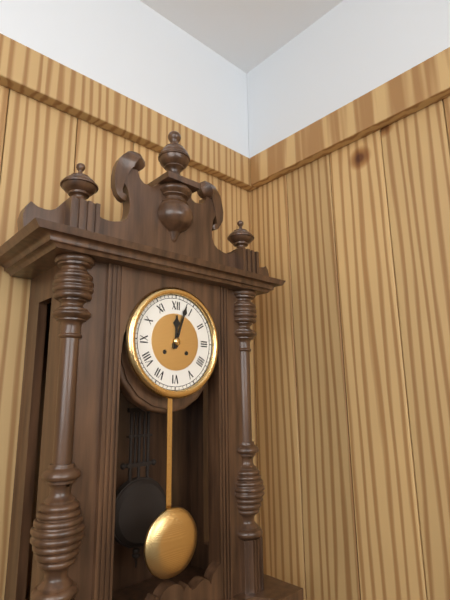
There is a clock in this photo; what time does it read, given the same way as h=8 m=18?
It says h=12 m=3
